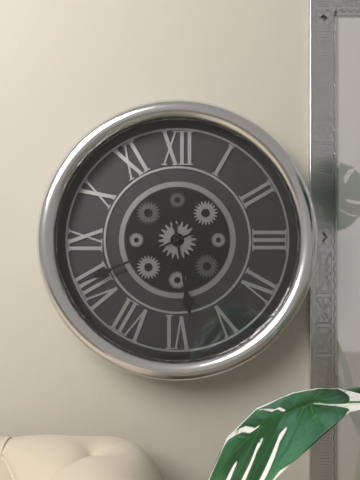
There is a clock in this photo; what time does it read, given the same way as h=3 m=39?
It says h=5 m=41
